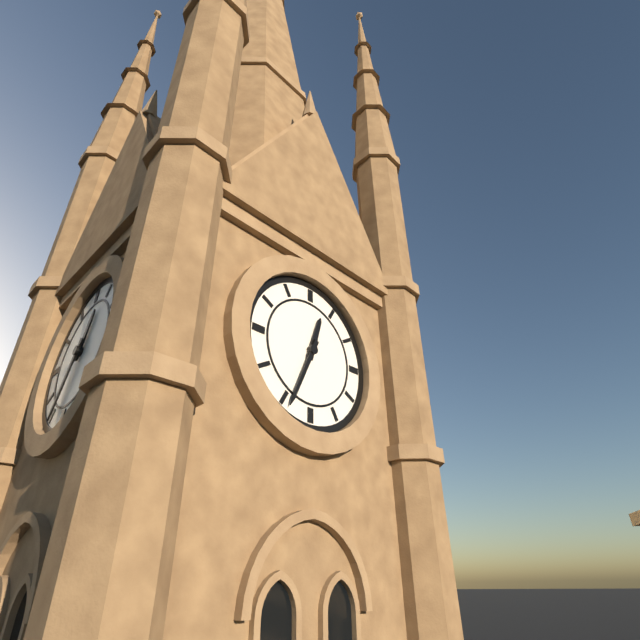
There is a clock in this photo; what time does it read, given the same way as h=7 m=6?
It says h=12 m=34
